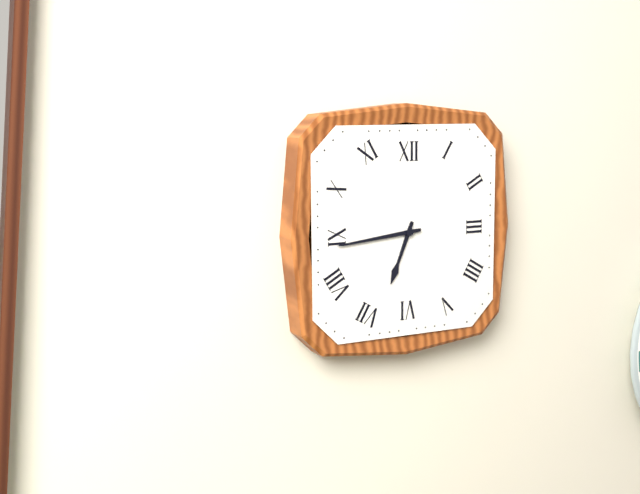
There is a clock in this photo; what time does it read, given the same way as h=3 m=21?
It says h=6 m=44
